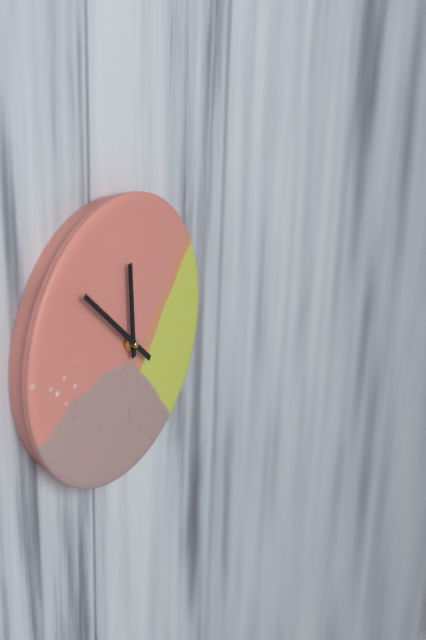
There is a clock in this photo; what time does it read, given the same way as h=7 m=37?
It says h=11 m=52
